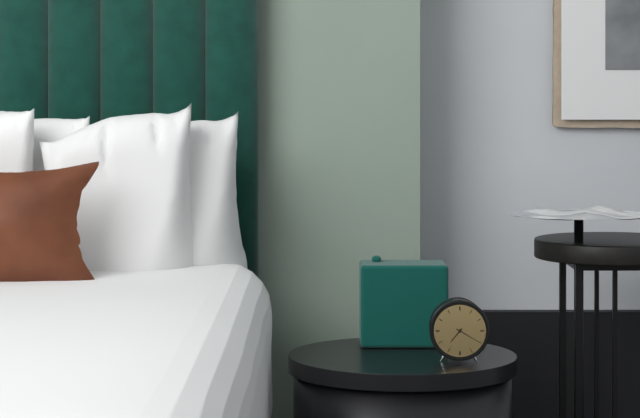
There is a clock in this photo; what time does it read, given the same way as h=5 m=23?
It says h=7 m=20
